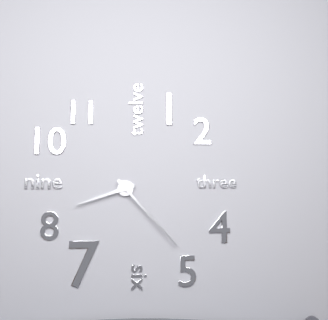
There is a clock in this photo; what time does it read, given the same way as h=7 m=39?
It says h=8 m=23
